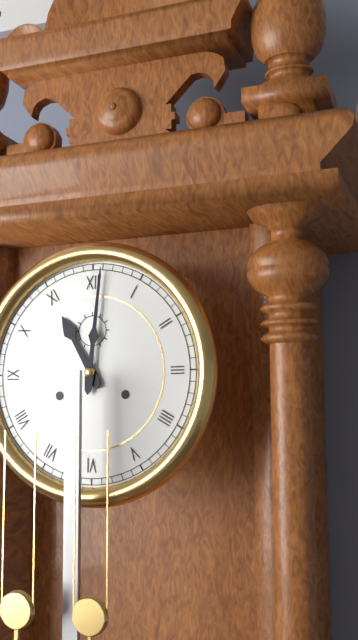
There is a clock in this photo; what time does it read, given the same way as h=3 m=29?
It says h=11 m=1
